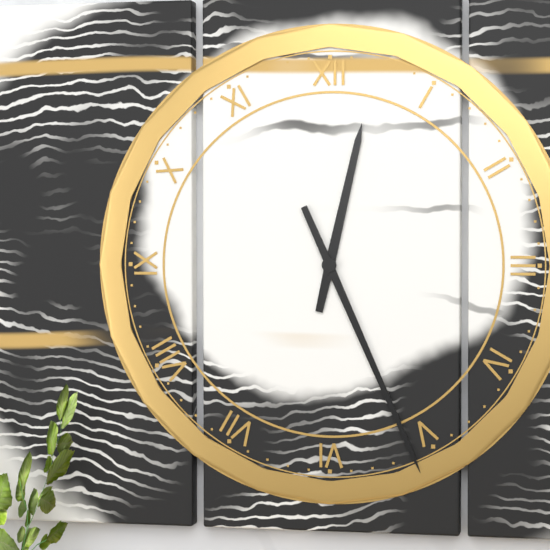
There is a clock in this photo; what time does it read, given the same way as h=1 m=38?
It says h=12 m=26
